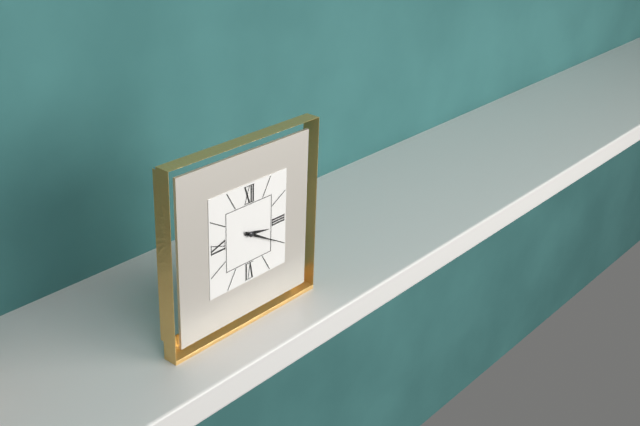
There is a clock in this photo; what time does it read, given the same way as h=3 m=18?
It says h=3 m=20
